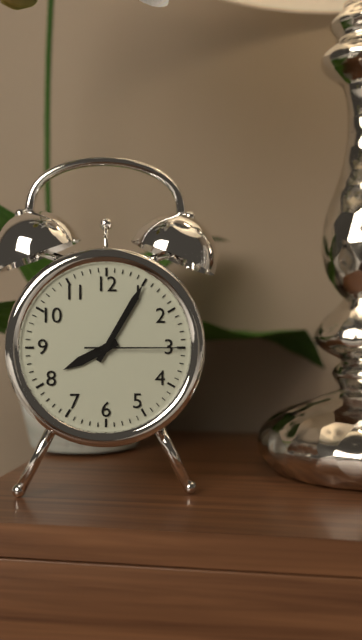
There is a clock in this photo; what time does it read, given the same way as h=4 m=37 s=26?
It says h=8 m=5 s=15
